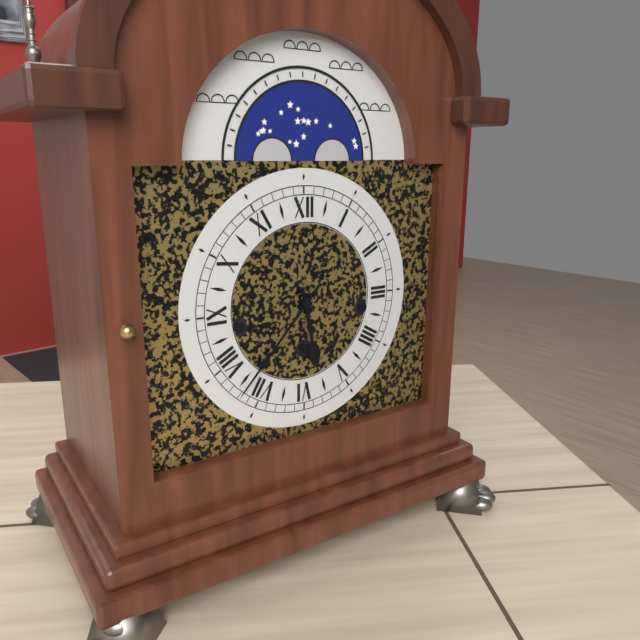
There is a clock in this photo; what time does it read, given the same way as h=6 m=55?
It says h=5 m=37
